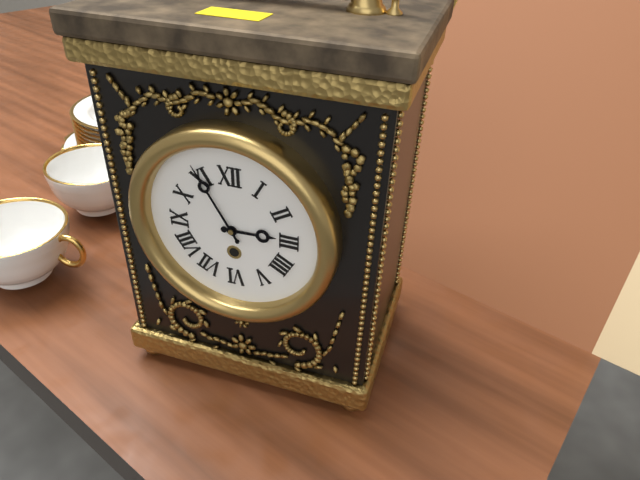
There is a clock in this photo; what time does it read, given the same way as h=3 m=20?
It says h=2 m=55
